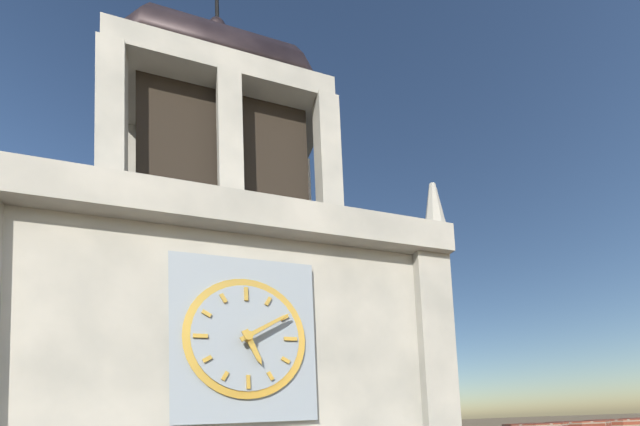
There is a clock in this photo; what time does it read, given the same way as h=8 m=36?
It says h=5 m=10
